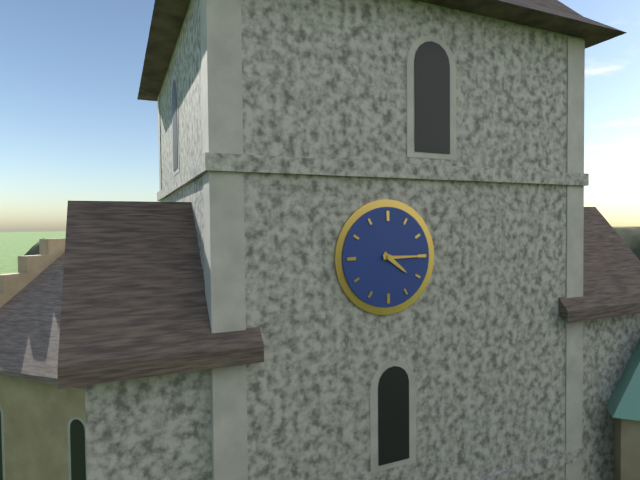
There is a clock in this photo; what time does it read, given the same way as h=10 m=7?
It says h=4 m=15
